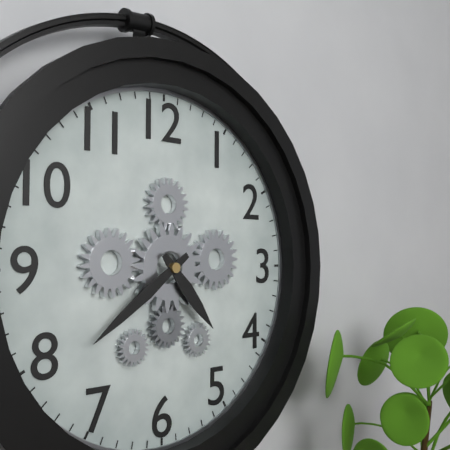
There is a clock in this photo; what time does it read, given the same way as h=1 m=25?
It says h=4 m=39
